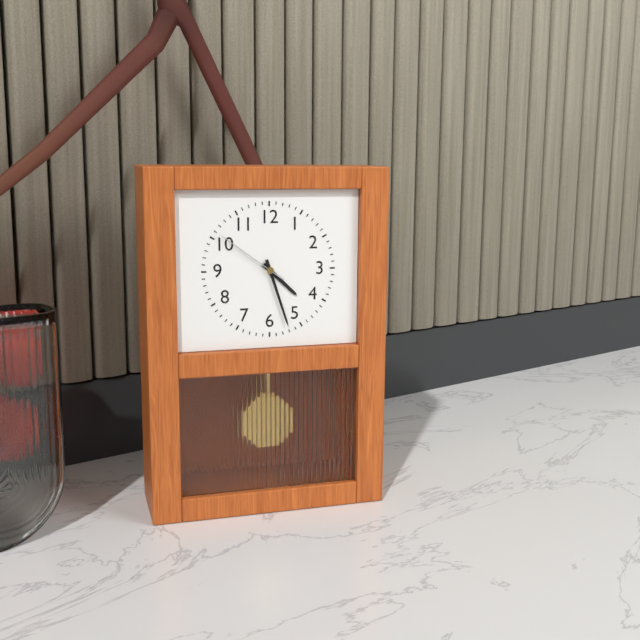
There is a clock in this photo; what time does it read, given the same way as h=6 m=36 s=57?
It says h=4 m=27 s=51
